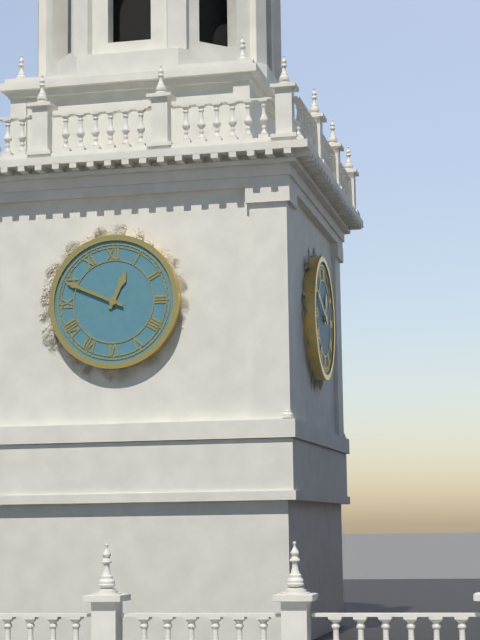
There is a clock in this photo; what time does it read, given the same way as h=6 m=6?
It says h=12 m=49
